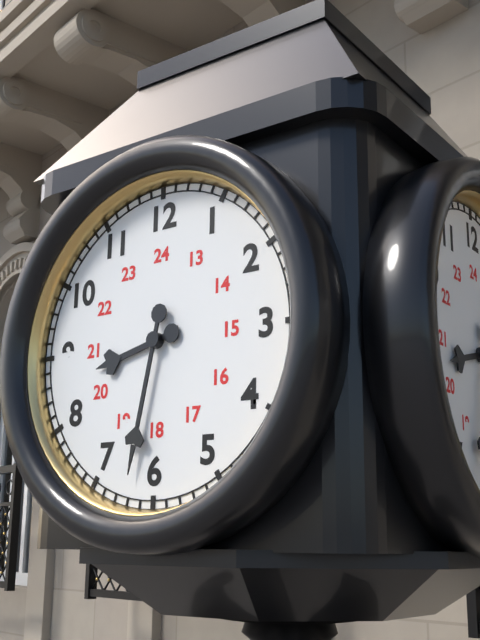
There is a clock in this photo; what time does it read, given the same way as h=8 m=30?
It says h=8 m=32
